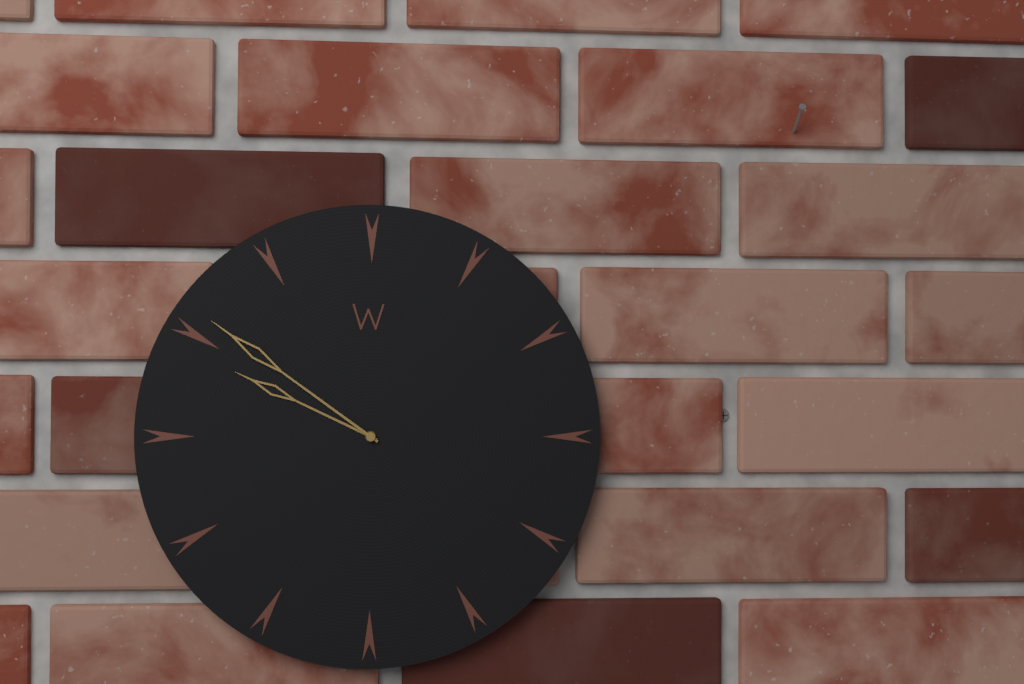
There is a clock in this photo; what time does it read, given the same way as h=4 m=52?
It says h=9 m=51
